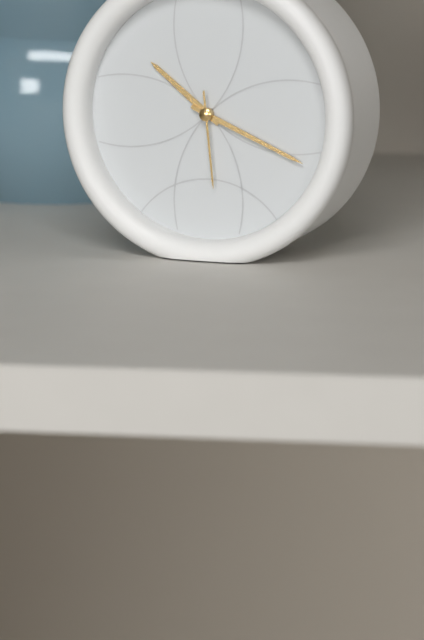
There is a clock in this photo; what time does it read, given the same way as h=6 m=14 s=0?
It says h=10 m=19 s=29
